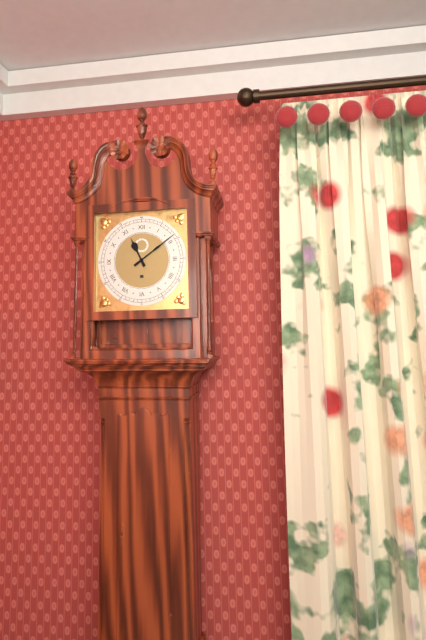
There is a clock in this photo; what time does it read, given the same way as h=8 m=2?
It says h=11 m=9
